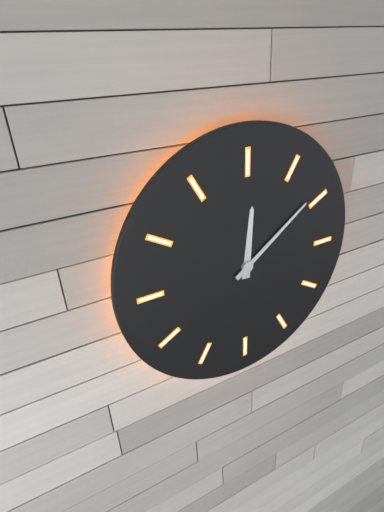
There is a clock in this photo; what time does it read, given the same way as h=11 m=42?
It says h=12 m=9
